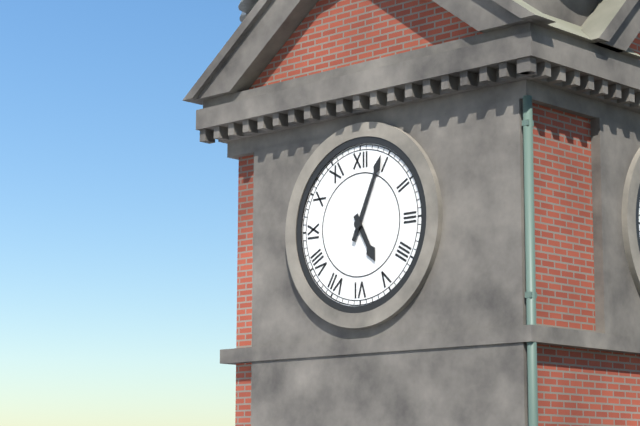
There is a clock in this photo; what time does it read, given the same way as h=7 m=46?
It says h=5 m=4
